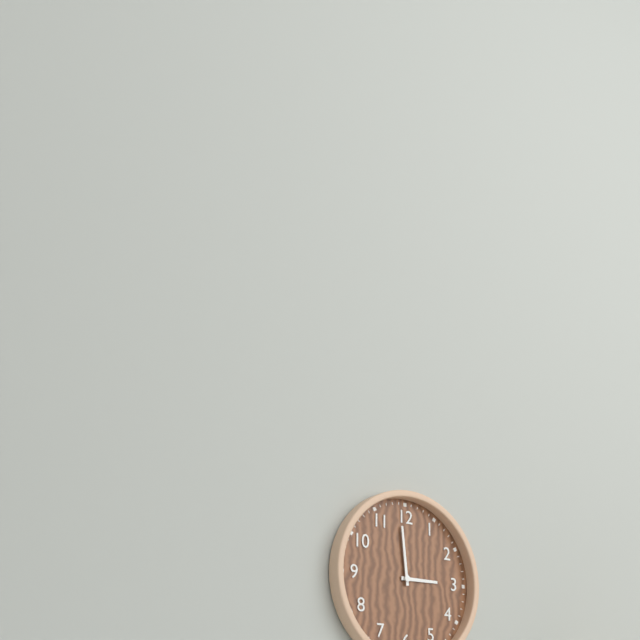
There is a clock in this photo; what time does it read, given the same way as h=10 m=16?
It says h=2 m=59
